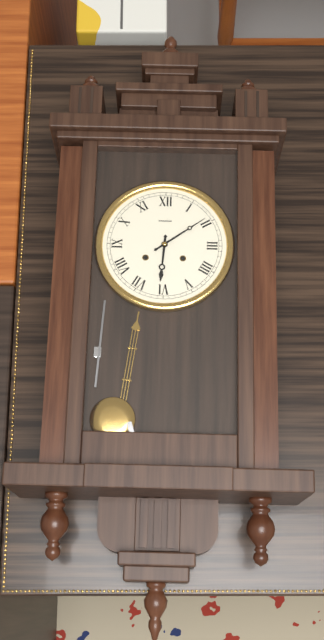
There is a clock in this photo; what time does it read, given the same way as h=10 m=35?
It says h=6 m=9
